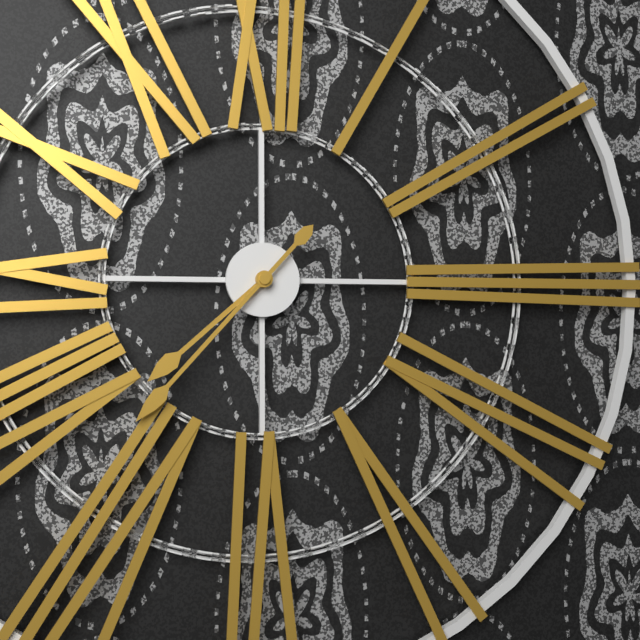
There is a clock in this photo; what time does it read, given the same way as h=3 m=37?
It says h=7 m=37
